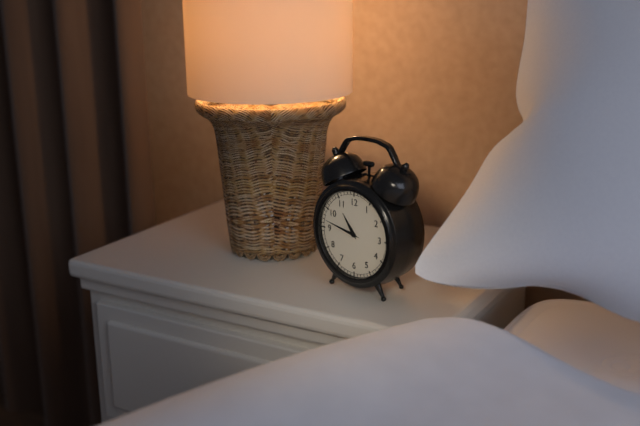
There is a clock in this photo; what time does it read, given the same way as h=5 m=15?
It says h=10 m=47
